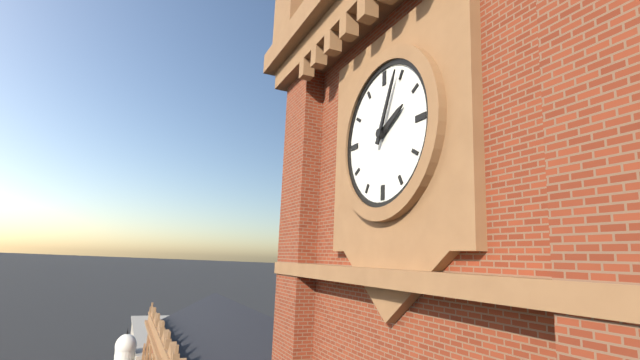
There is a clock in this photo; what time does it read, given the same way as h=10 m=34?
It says h=2 m=4
